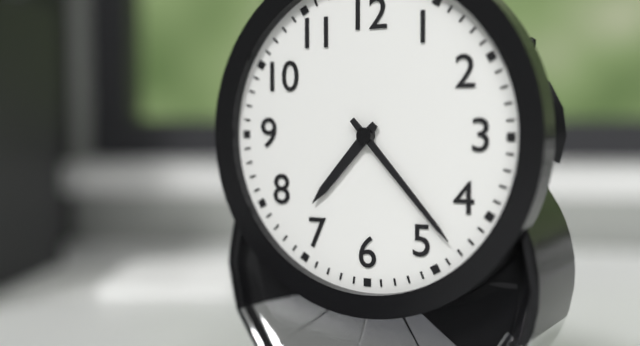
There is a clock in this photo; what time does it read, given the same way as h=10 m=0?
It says h=7 m=23
